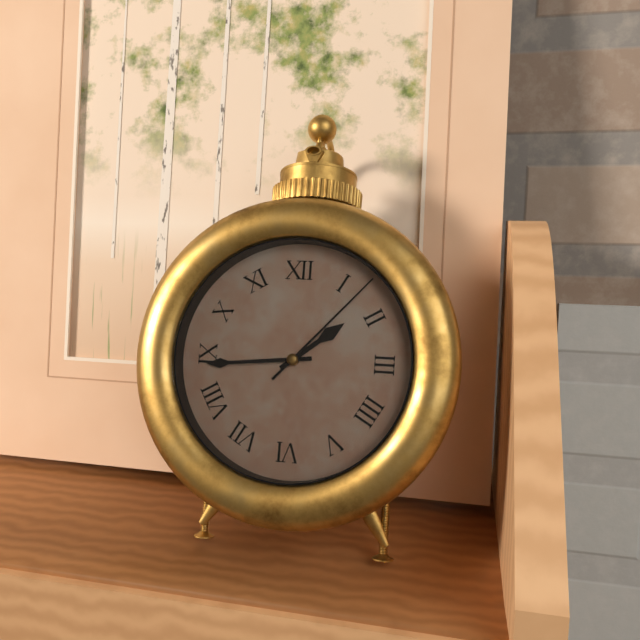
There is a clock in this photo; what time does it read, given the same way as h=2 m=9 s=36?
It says h=1 m=44 s=7
